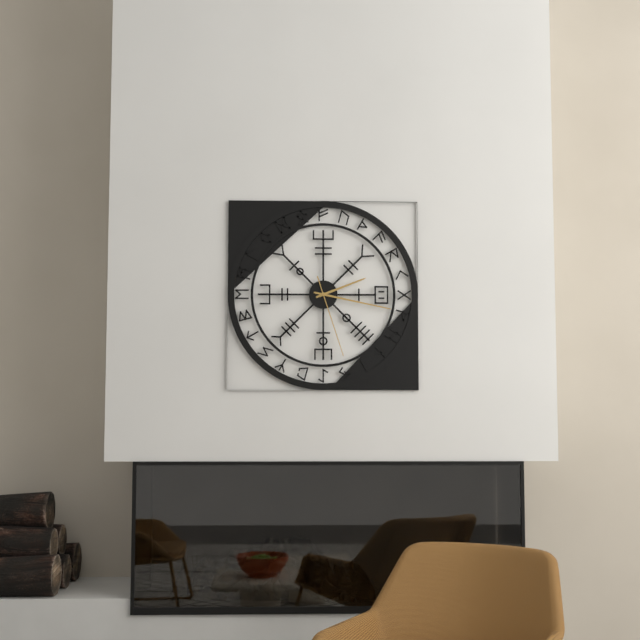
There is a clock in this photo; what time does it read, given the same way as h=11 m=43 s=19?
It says h=2 m=17 s=27
